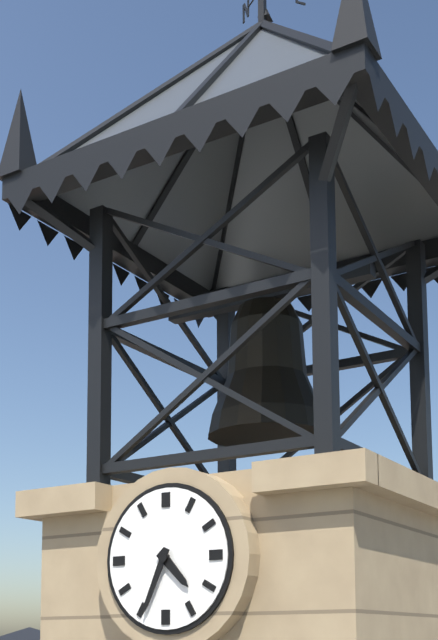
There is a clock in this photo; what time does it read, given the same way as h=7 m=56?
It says h=4 m=34
